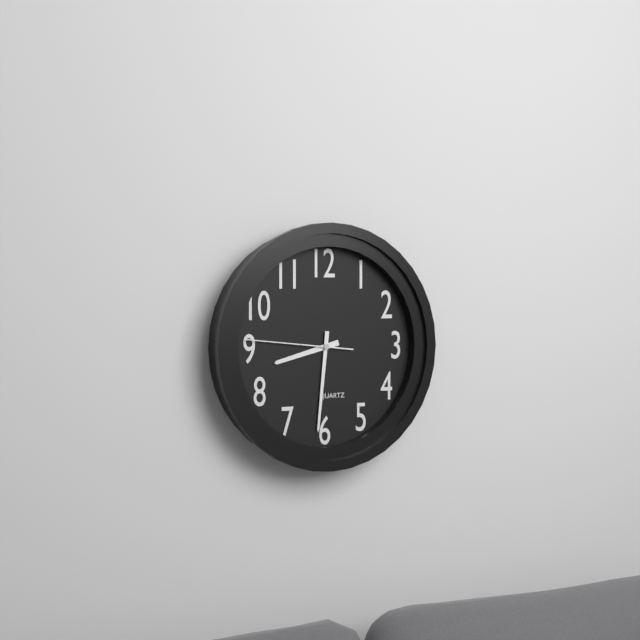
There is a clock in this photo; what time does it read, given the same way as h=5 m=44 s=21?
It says h=8 m=31 s=46
